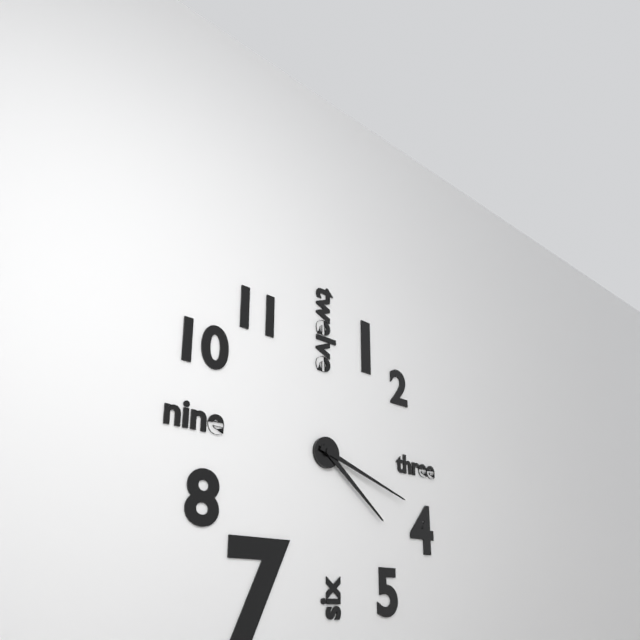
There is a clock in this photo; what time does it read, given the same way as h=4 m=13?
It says h=4 m=18
